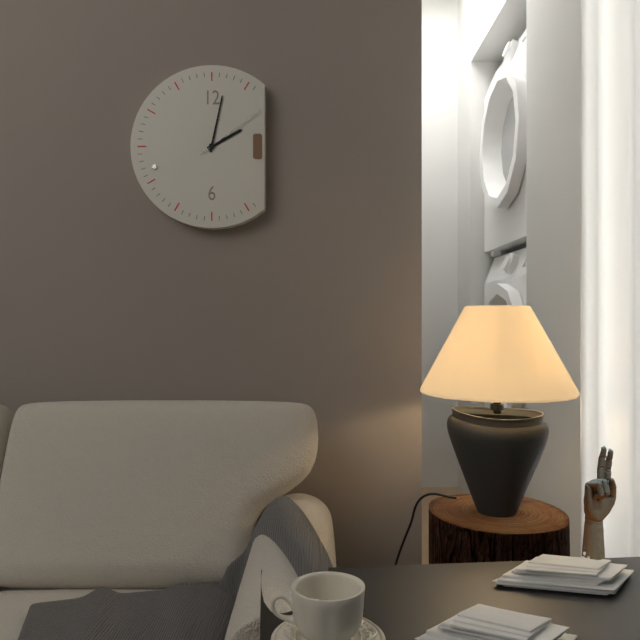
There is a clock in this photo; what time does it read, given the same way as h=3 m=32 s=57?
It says h=2 m=2 s=9
